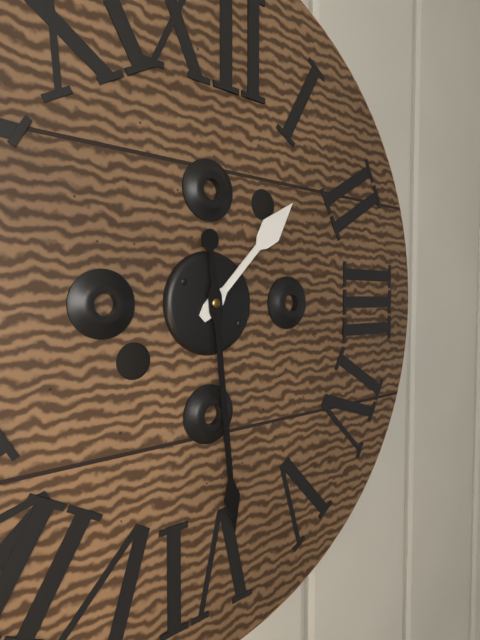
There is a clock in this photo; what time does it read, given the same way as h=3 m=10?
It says h=1 m=29
